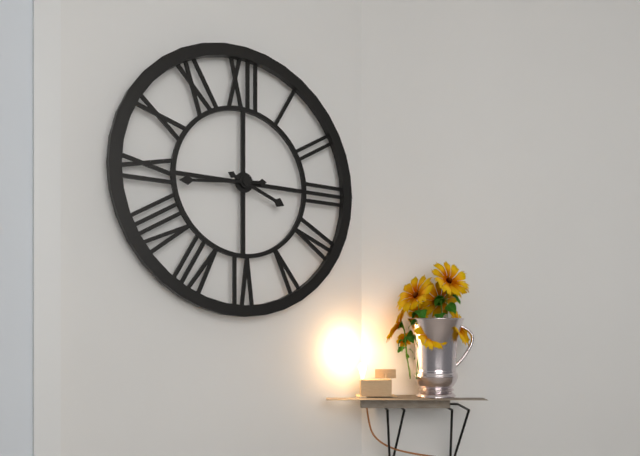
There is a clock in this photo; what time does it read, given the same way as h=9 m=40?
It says h=3 m=44
